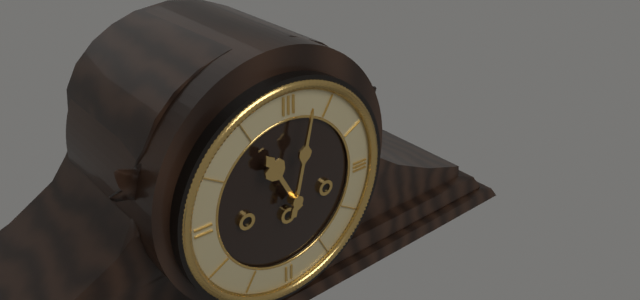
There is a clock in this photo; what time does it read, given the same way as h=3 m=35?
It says h=11 m=2
